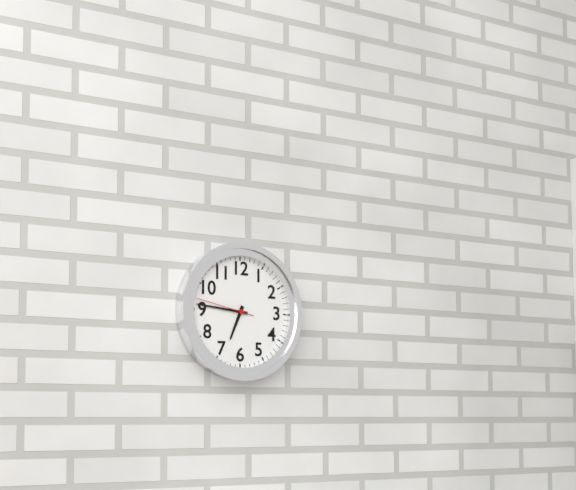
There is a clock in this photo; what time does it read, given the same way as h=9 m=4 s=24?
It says h=6 m=46 s=47
